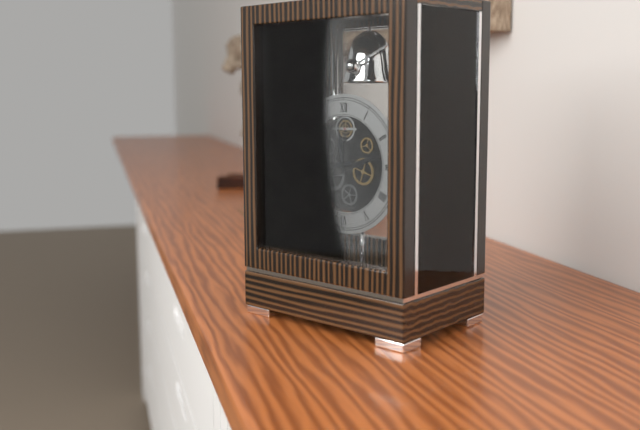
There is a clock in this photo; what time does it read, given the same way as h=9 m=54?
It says h=11 m=43
